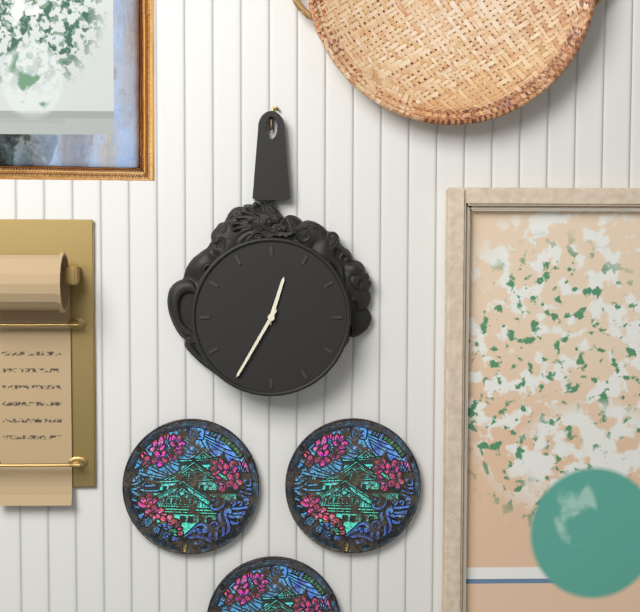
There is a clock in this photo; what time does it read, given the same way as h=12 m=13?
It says h=12 m=35
